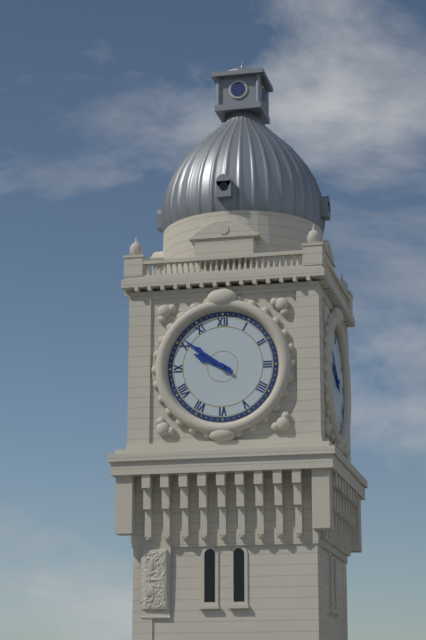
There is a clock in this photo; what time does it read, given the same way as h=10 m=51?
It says h=9 m=51
